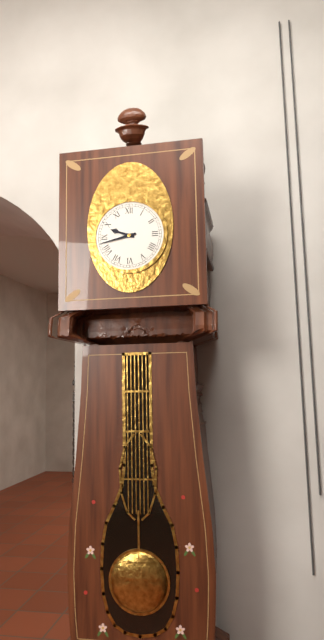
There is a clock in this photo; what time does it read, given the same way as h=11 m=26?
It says h=9 m=43
